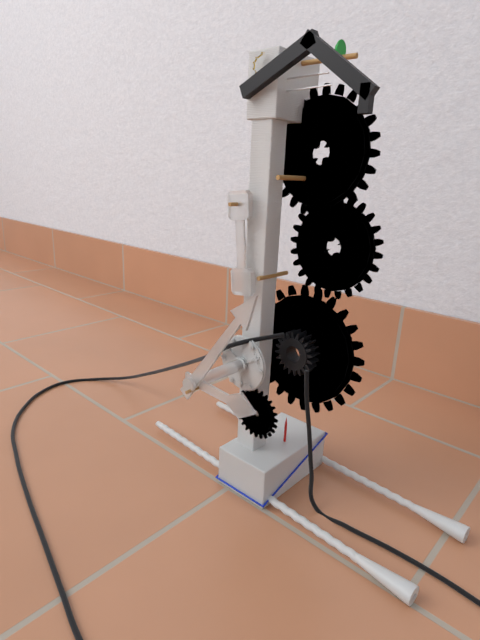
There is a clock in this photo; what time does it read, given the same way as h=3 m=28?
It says h=3 m=6
